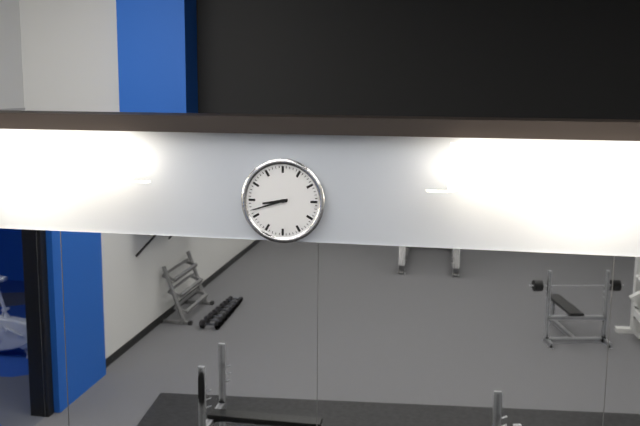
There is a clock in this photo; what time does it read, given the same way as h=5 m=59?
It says h=8 m=42
